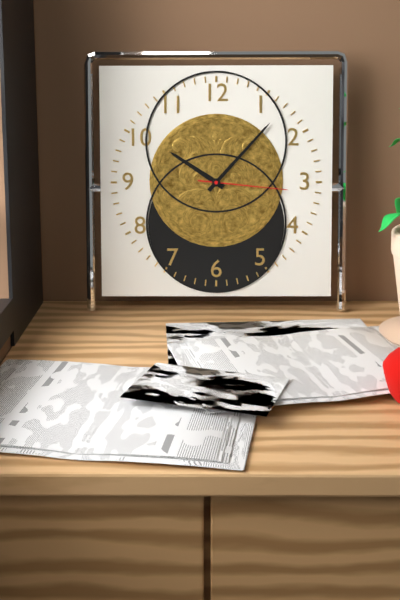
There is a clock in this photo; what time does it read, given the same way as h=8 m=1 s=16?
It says h=10 m=7 s=16
